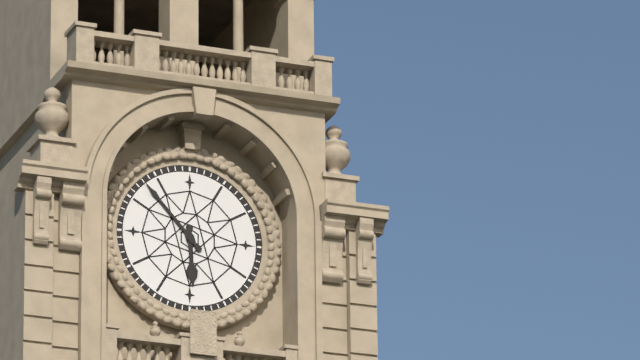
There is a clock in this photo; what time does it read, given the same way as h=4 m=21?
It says h=5 m=53
